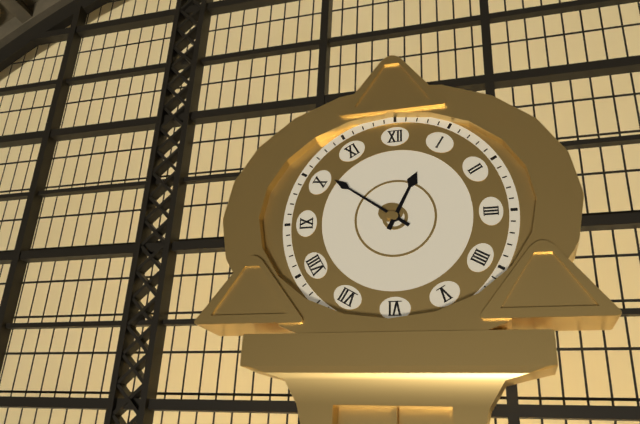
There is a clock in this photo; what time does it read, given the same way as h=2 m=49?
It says h=12 m=51
